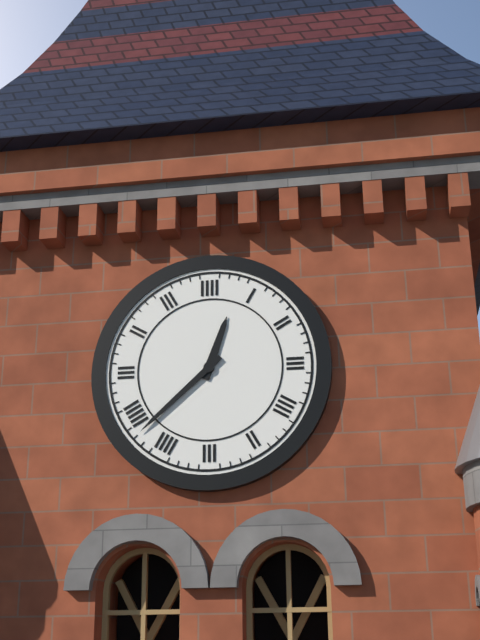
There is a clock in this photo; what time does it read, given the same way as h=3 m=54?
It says h=12 m=38
